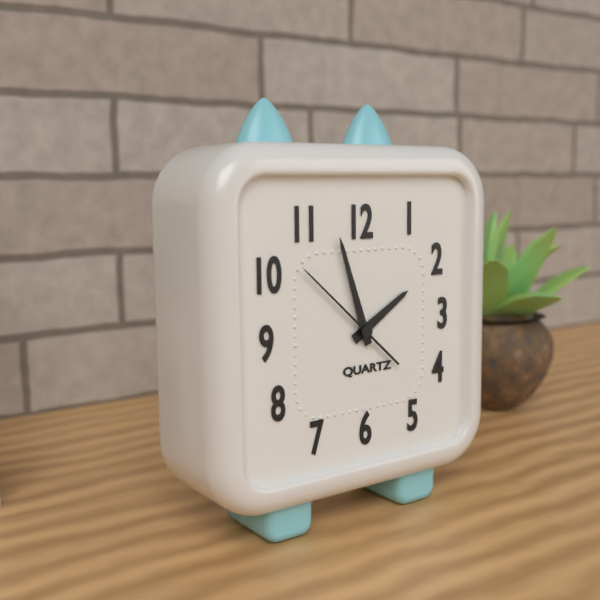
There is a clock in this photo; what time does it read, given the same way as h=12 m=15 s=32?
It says h=1 m=57 s=52
